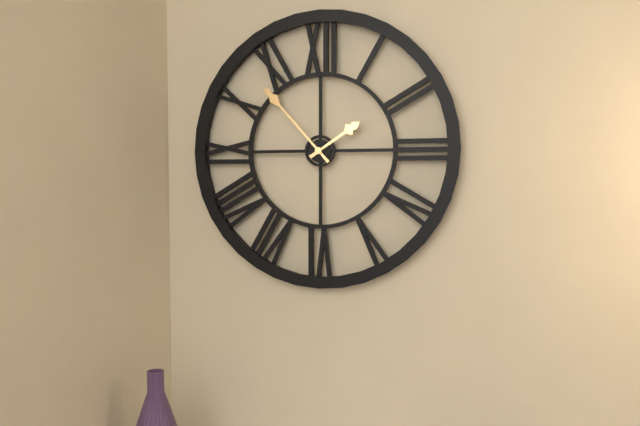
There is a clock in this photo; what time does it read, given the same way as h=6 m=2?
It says h=1 m=53
